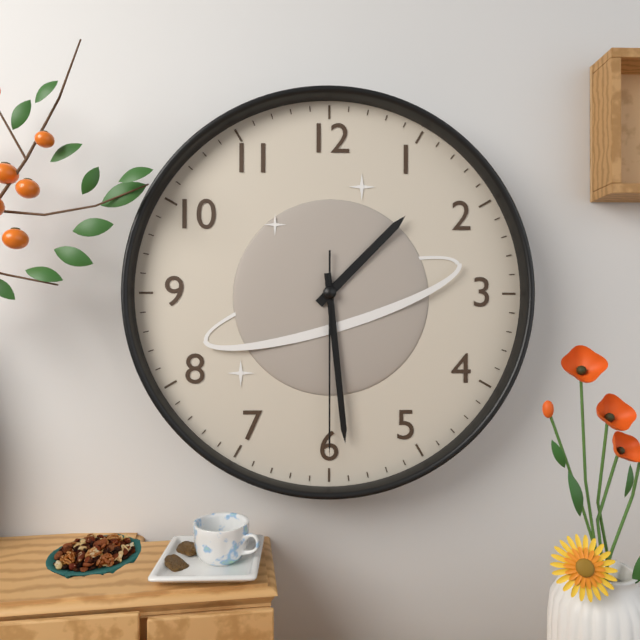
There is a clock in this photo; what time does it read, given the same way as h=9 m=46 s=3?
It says h=1 m=29 s=30
